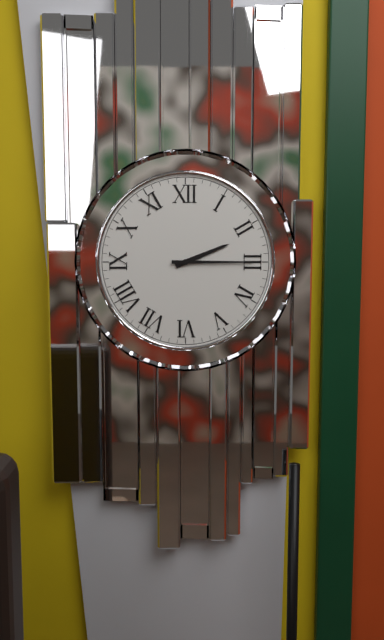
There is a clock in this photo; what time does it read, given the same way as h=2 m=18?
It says h=2 m=15
